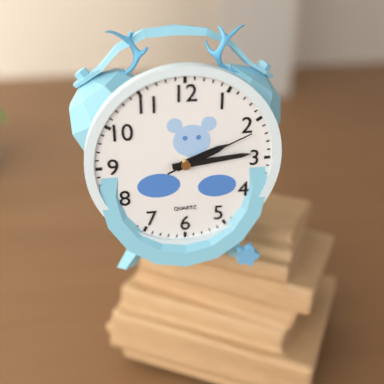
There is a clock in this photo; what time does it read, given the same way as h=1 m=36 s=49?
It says h=2 m=14 s=11
